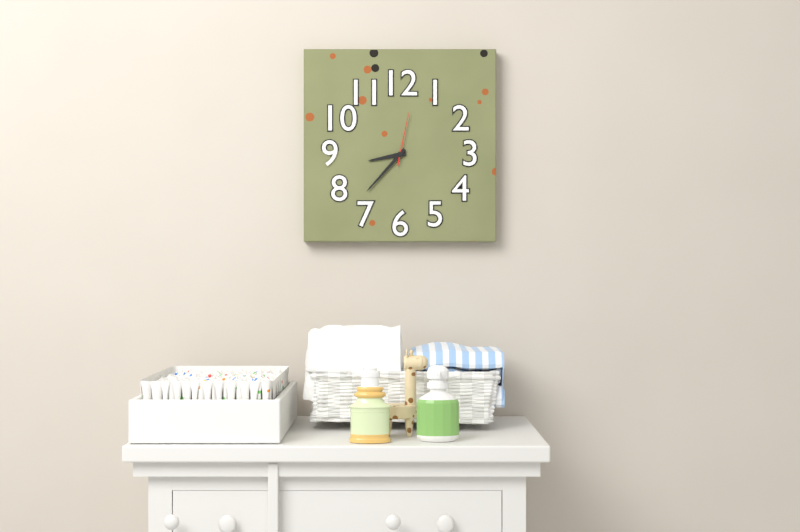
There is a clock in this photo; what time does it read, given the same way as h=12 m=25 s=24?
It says h=8 m=37 s=2
